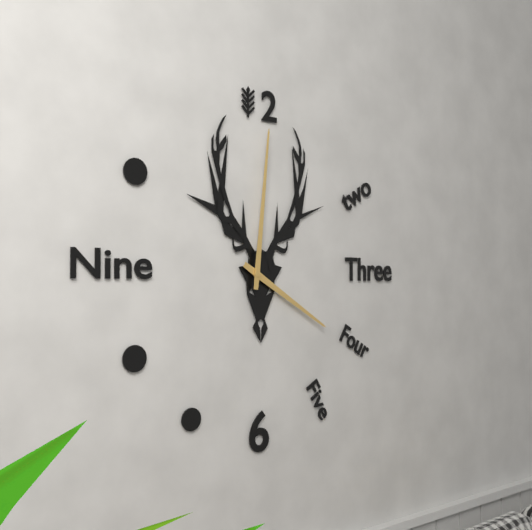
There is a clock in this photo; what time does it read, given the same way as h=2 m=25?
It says h=4 m=1
